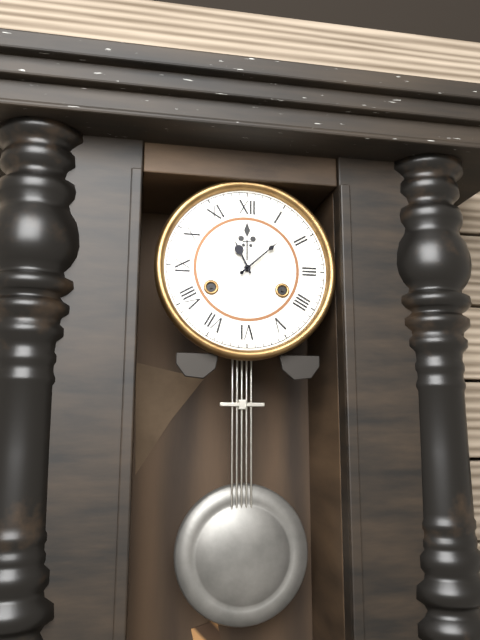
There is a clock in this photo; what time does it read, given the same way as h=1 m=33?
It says h=11 m=8
